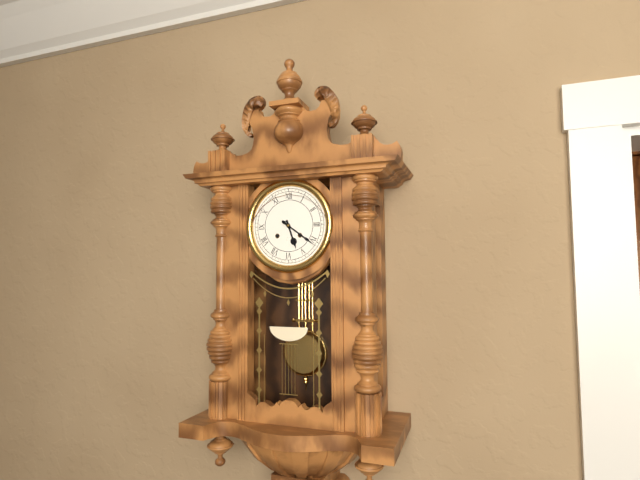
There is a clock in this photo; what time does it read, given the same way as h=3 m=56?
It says h=5 m=21
